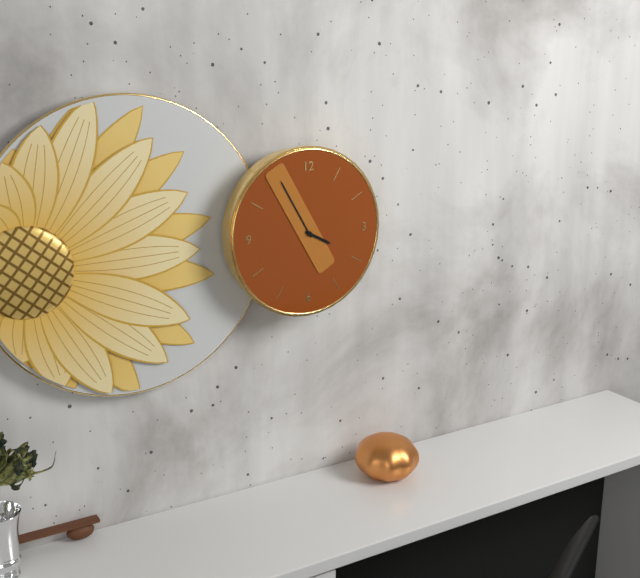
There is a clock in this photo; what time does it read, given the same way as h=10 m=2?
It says h=3 m=55
